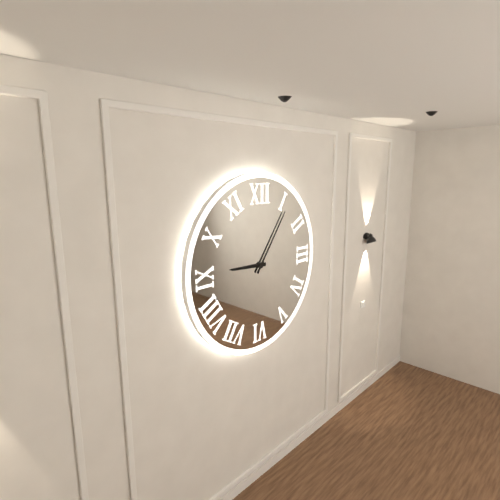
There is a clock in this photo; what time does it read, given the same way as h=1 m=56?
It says h=9 m=6
